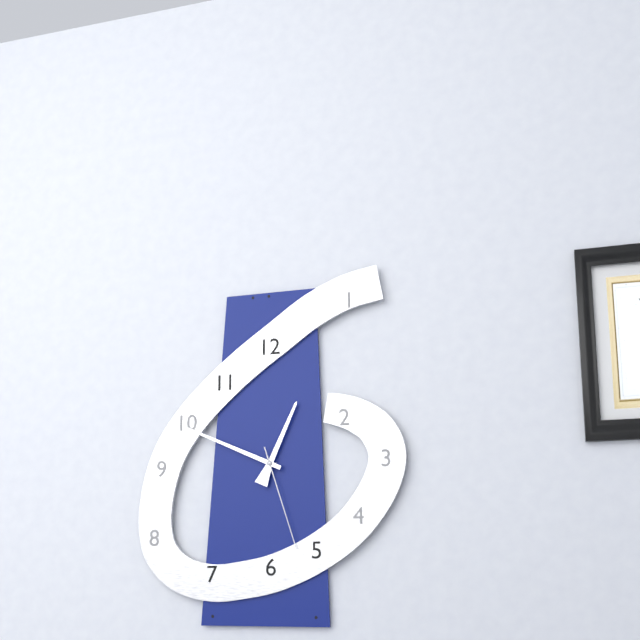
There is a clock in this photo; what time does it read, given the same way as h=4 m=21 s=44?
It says h=12 m=49 s=27
